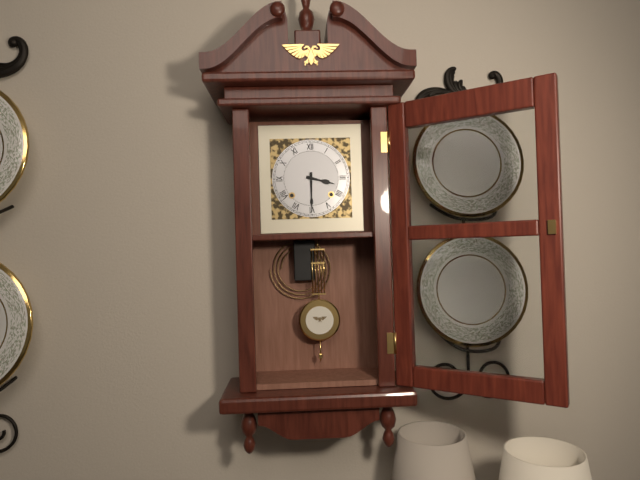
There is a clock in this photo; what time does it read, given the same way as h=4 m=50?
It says h=3 m=30
